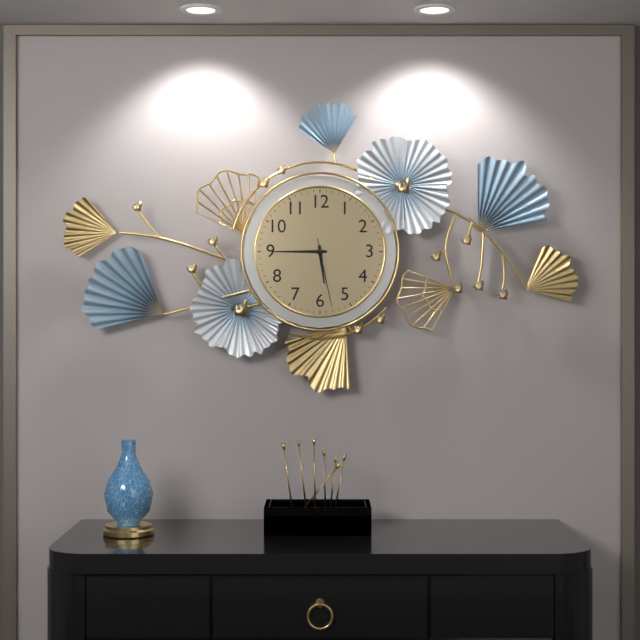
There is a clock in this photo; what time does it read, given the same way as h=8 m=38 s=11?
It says h=5 m=45 s=28
